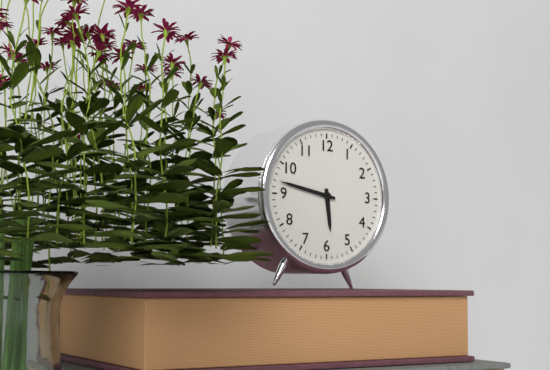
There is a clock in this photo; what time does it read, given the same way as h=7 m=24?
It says h=5 m=47
